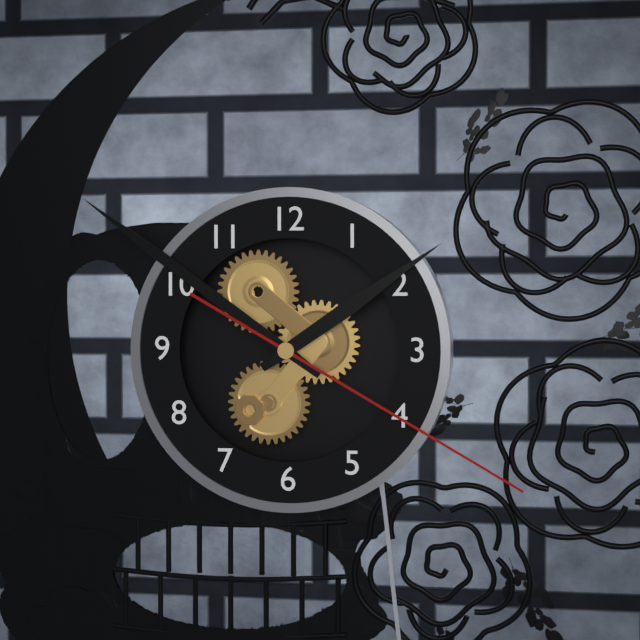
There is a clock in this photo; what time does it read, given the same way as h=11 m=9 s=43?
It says h=1 m=51 s=20
